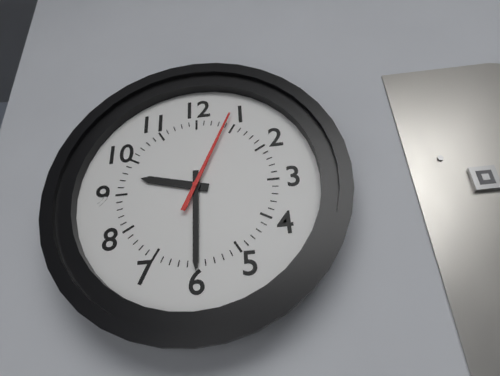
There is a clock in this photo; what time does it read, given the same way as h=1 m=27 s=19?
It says h=9 m=30 s=4
